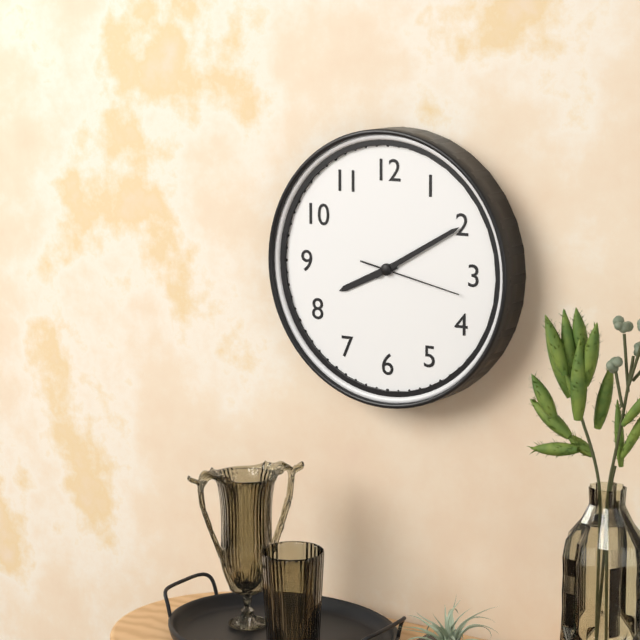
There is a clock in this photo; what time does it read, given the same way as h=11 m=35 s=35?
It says h=8 m=10 s=17
